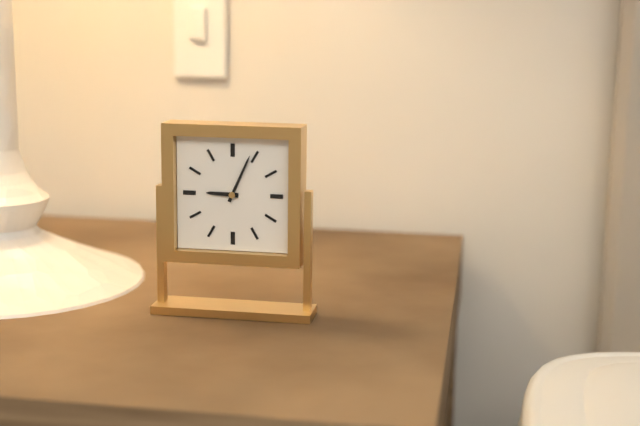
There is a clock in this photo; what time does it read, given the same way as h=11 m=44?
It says h=9 m=4
